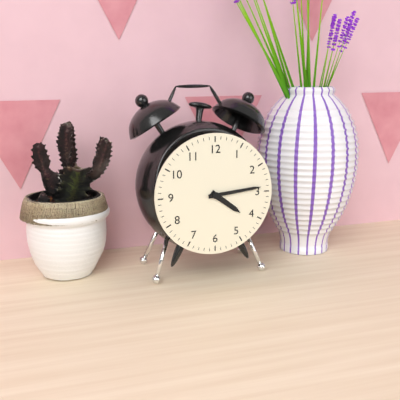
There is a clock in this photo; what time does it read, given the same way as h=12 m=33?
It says h=4 m=14
